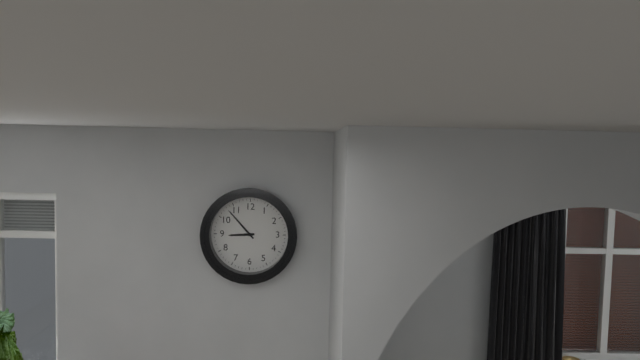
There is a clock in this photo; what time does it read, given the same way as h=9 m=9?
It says h=8 m=53
